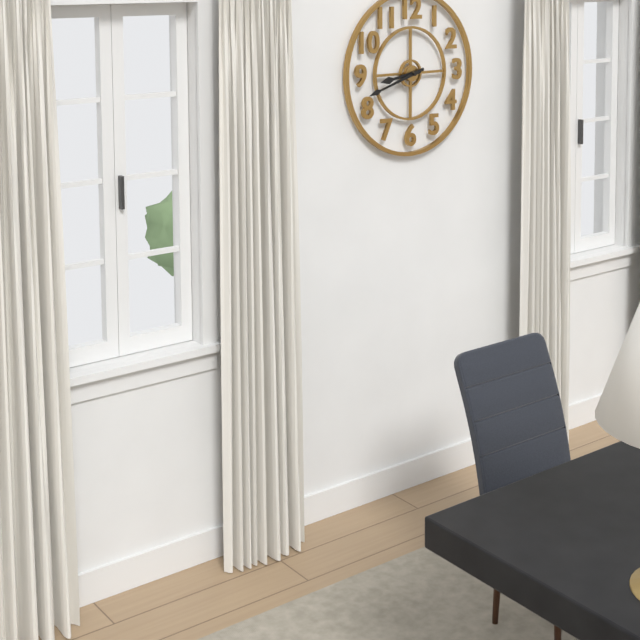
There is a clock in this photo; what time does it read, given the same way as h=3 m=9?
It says h=8 m=42
